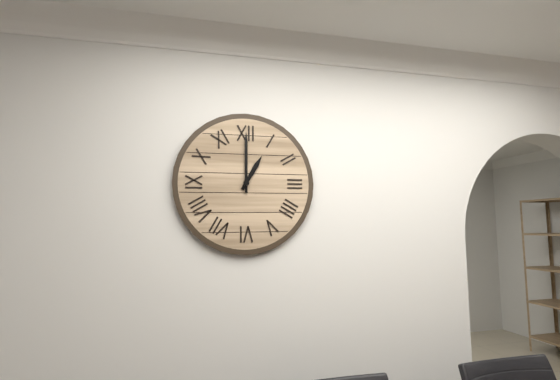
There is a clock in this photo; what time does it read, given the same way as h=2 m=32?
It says h=1 m=0
